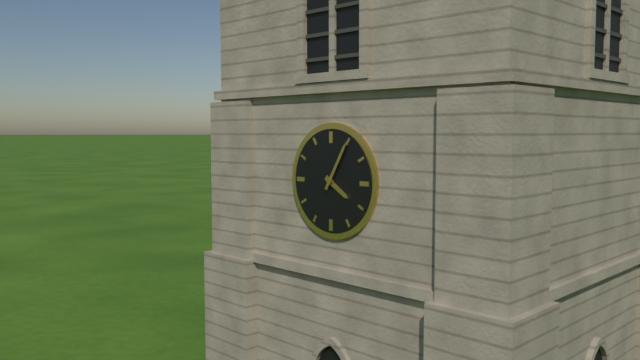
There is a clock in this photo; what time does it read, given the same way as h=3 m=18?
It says h=4 m=5
